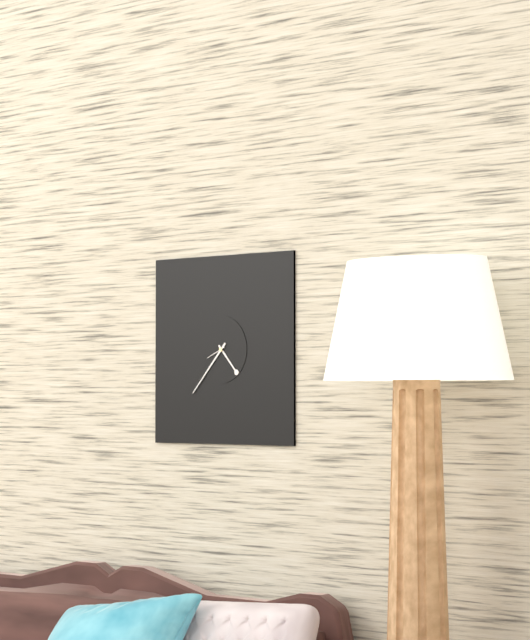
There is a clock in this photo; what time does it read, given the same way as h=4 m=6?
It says h=4 m=37
